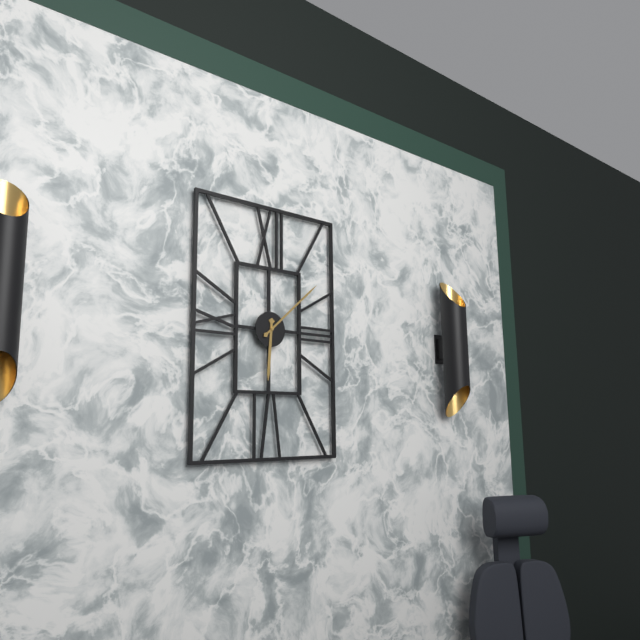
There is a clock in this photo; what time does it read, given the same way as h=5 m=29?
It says h=6 m=8
